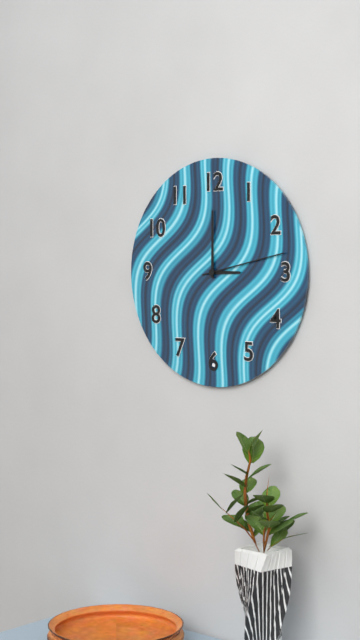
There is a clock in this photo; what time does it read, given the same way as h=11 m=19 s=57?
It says h=3 m=0 s=13
